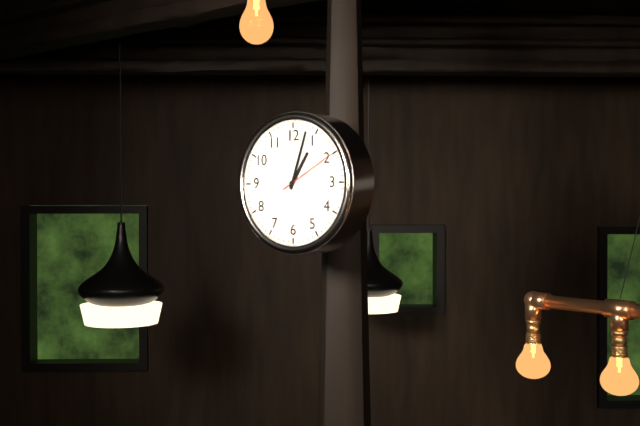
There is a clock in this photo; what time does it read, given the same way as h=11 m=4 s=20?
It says h=1 m=3 s=10
